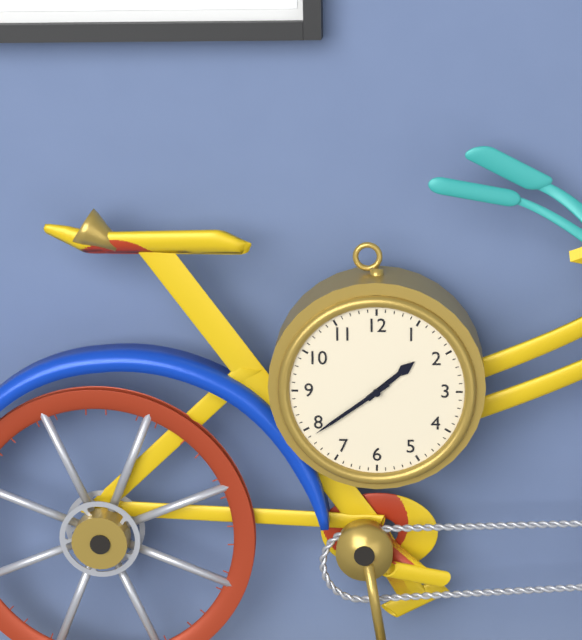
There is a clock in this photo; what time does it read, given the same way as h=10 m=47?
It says h=1 m=39
